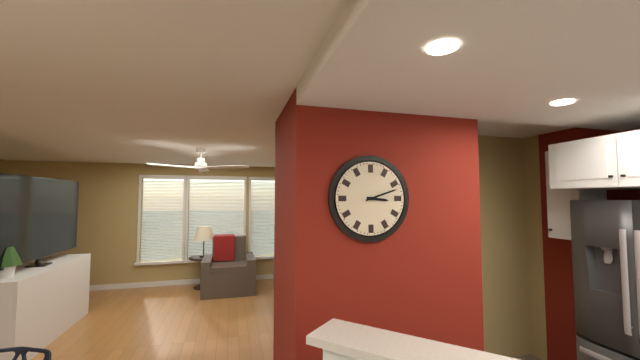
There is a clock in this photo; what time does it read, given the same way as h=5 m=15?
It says h=3 m=12
